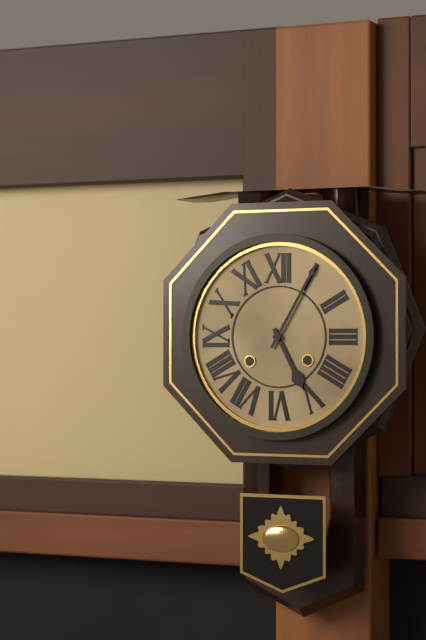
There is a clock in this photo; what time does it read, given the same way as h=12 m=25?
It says h=5 m=5
